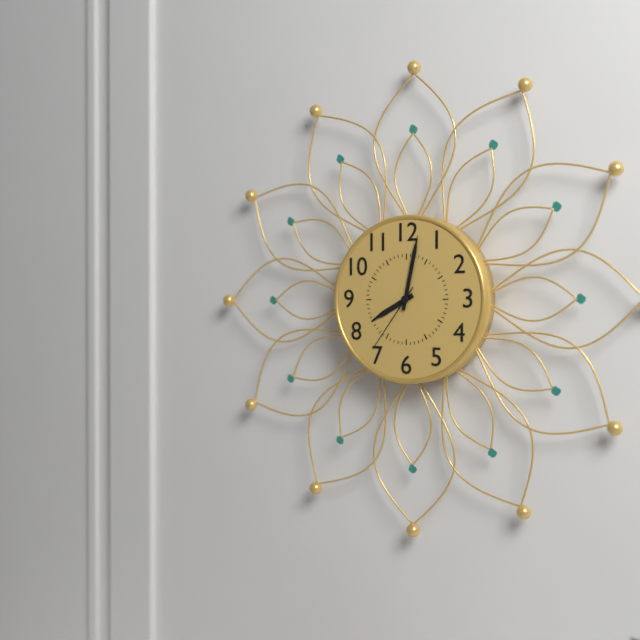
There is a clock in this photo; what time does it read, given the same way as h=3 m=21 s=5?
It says h=8 m=2 s=36
